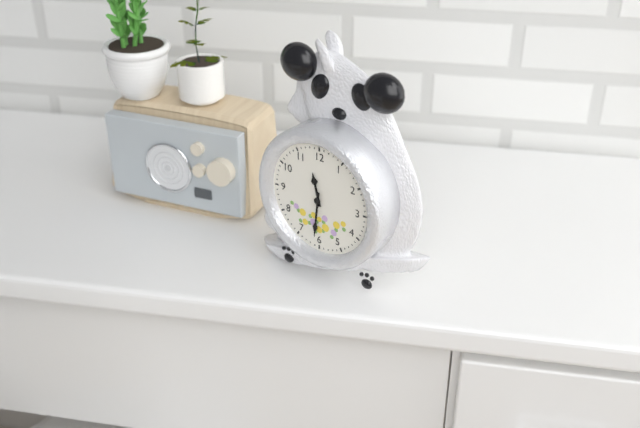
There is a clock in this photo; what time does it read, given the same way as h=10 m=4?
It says h=11 m=31
